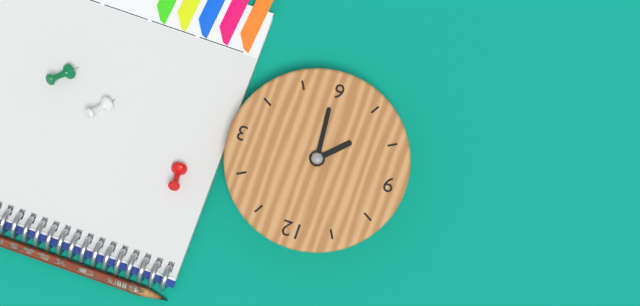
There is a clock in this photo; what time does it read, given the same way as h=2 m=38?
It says h=7 m=29
